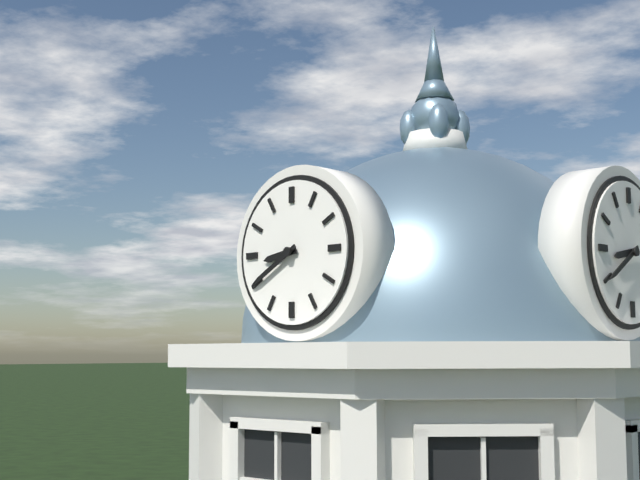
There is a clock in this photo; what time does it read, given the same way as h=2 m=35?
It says h=8 m=40
